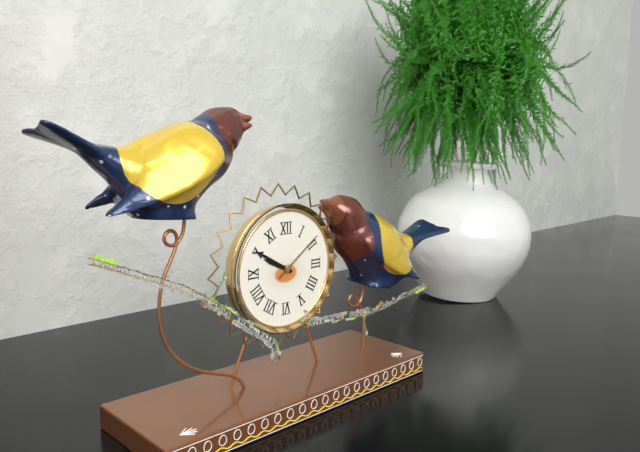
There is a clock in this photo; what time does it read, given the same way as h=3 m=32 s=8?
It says h=9 m=50 s=9
